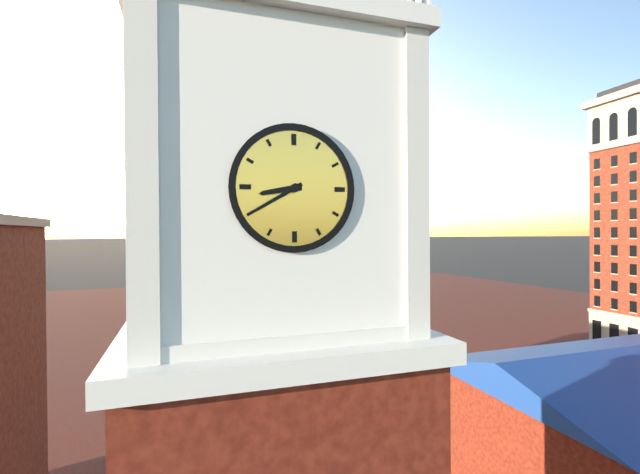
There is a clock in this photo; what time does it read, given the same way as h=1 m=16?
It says h=8 m=40
